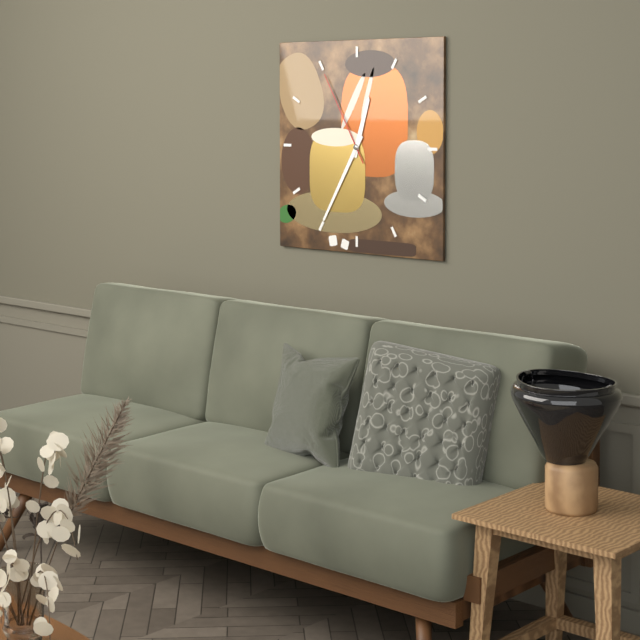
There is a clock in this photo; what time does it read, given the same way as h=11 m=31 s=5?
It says h=12 m=35 s=55
